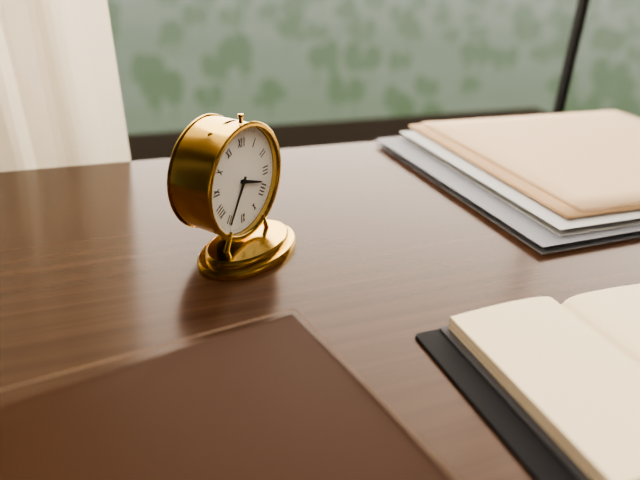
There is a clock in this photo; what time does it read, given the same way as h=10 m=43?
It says h=3 m=35
